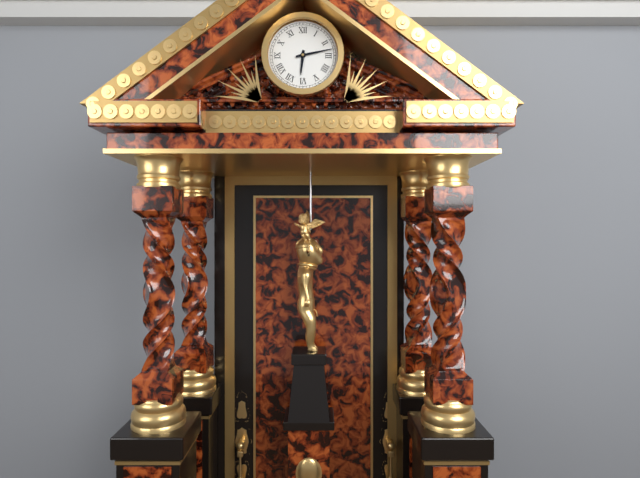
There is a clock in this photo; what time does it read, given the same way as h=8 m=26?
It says h=6 m=13
